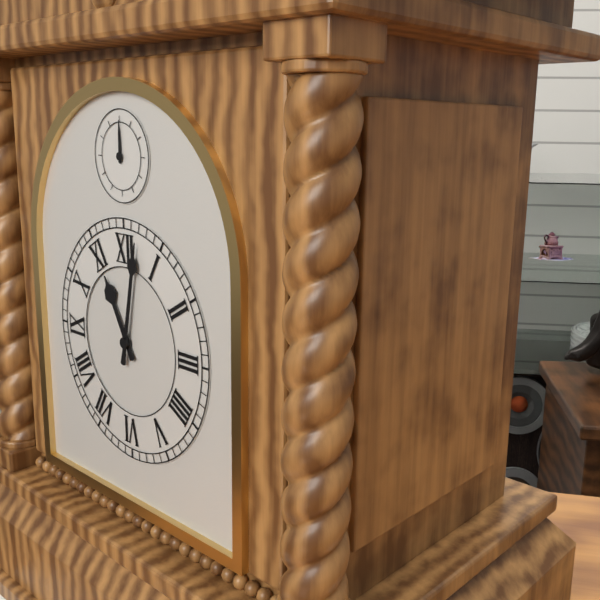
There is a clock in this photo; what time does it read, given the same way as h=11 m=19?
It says h=11 m=2
